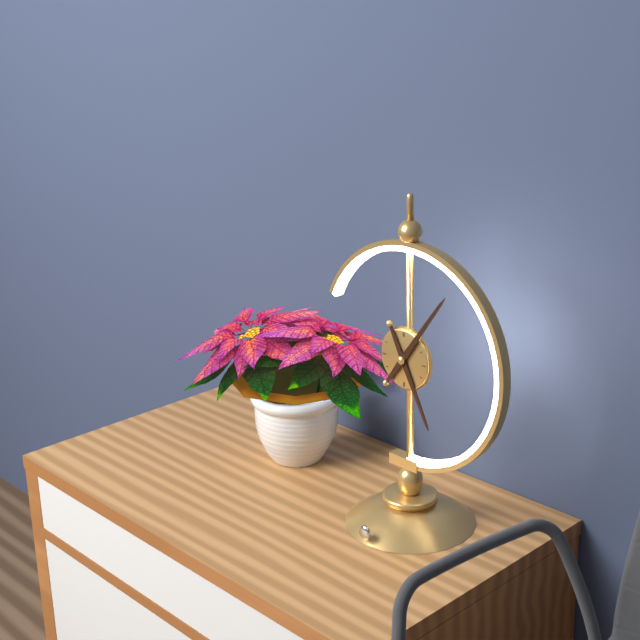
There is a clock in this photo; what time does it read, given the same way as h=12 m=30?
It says h=5 m=6
